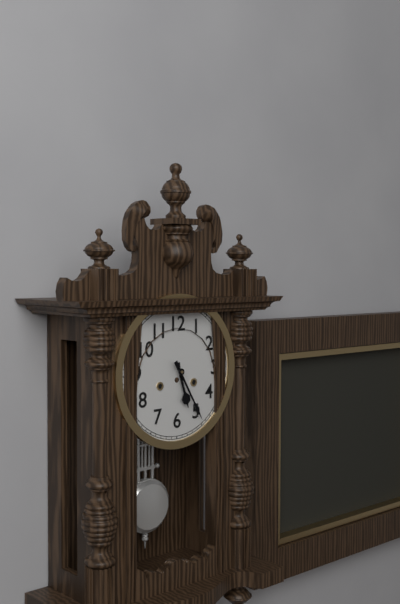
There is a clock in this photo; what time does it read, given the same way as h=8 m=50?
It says h=5 m=25
